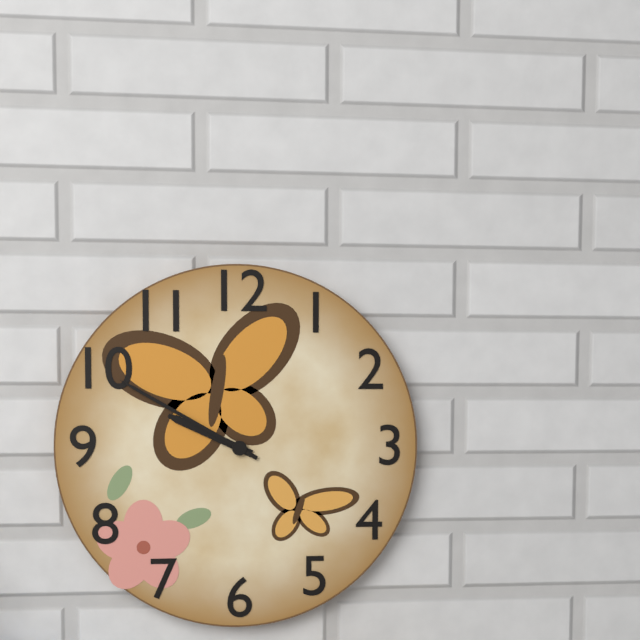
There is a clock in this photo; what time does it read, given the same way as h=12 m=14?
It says h=9 m=50
